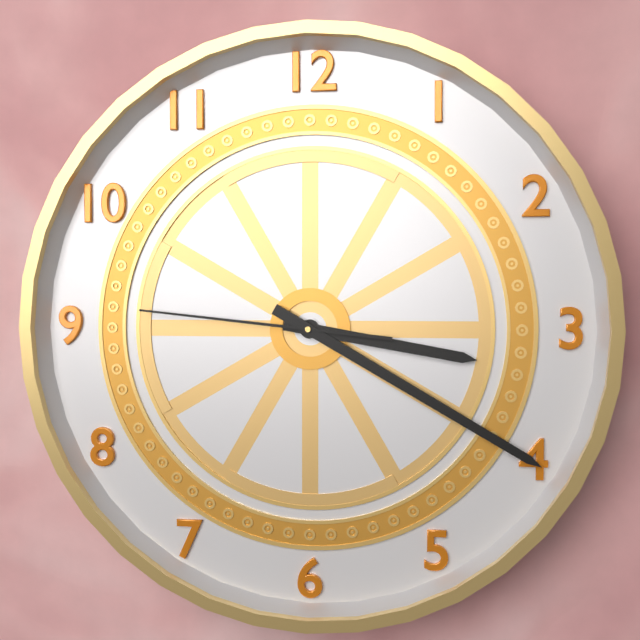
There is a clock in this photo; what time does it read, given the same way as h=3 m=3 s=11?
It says h=3 m=20 s=46
